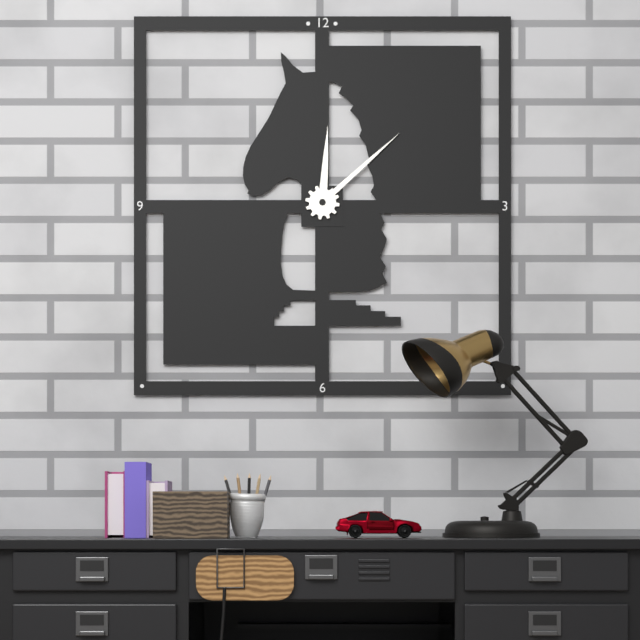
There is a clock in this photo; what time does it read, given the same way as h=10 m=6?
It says h=12 m=8
